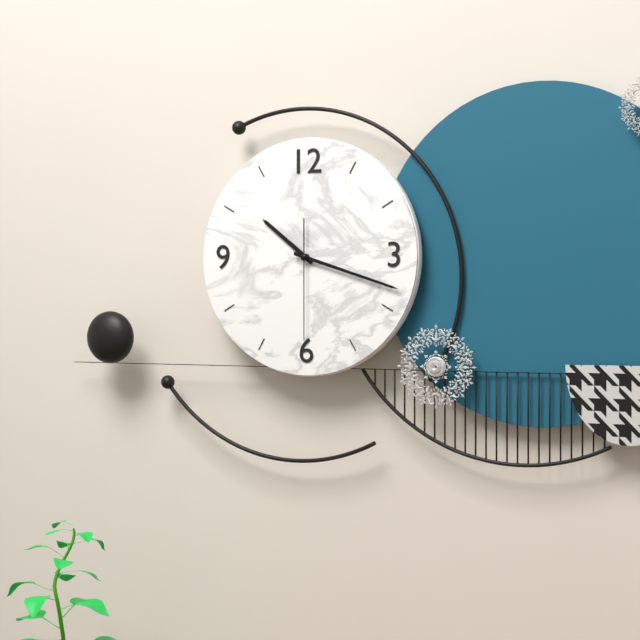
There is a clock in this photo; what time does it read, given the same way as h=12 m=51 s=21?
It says h=10 m=18 s=30
